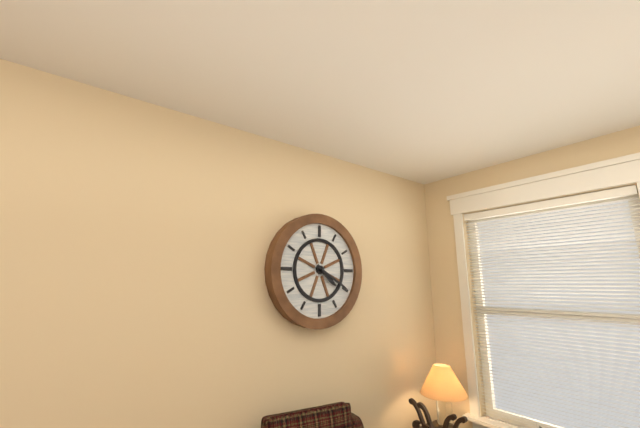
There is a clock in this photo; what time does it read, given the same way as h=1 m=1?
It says h=4 m=20
